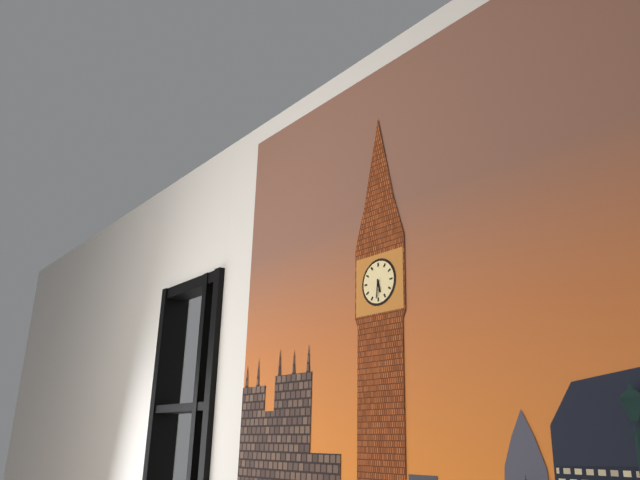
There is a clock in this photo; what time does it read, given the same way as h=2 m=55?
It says h=5 m=31
